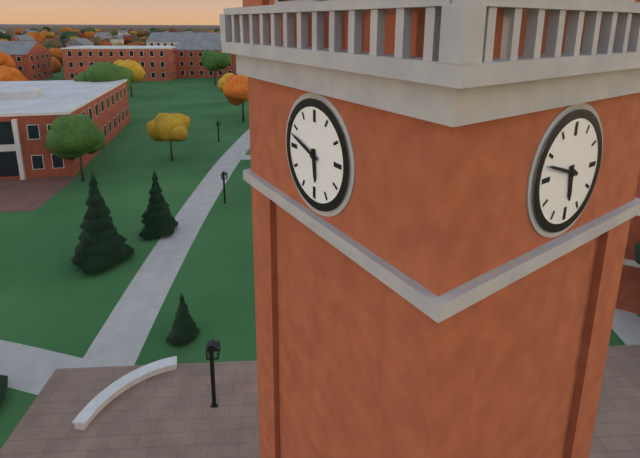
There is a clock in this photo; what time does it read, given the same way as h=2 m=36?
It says h=5 m=48
